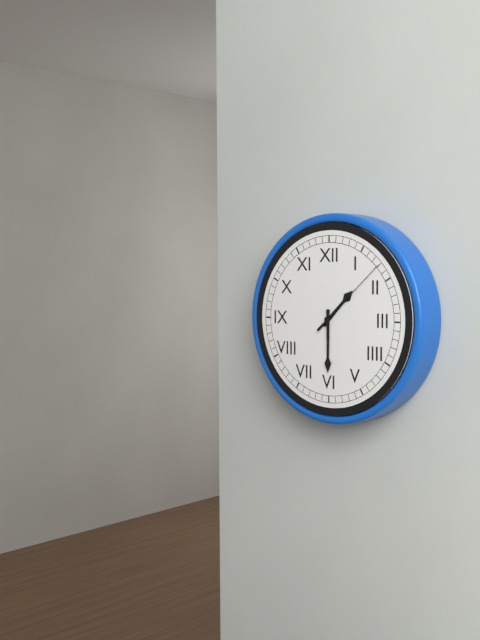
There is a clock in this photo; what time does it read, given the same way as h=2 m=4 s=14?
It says h=1 m=30 s=8
